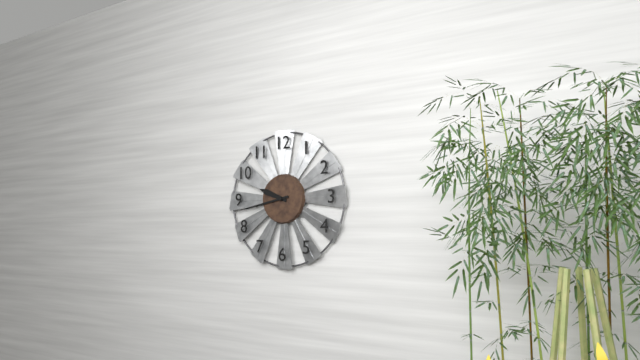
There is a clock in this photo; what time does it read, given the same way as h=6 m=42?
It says h=9 m=43
